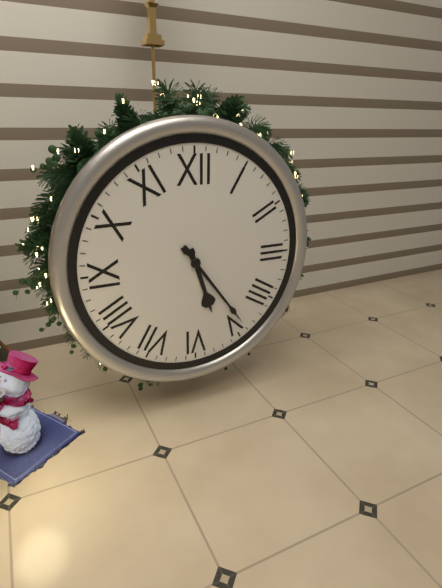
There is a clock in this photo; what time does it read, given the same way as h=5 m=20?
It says h=5 m=24
